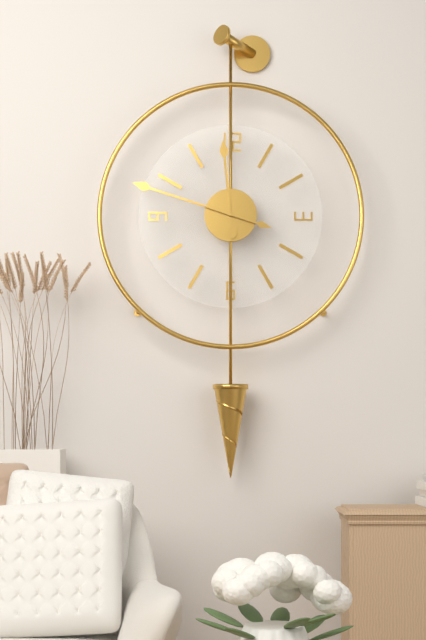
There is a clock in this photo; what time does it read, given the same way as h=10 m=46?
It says h=11 m=48
